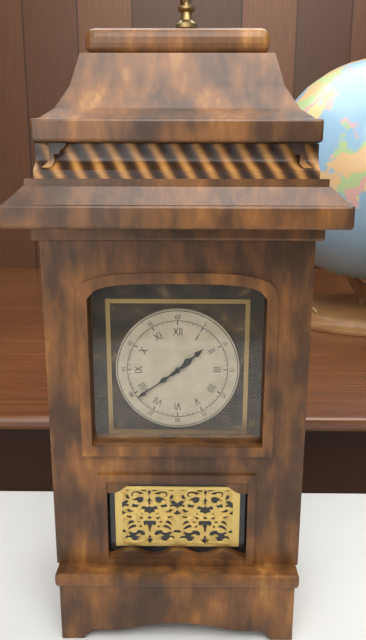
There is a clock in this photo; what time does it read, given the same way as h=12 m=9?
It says h=1 m=39
